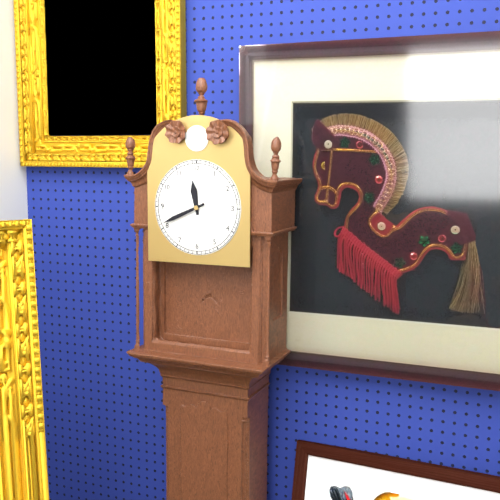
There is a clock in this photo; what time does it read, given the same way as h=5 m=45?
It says h=11 m=41
